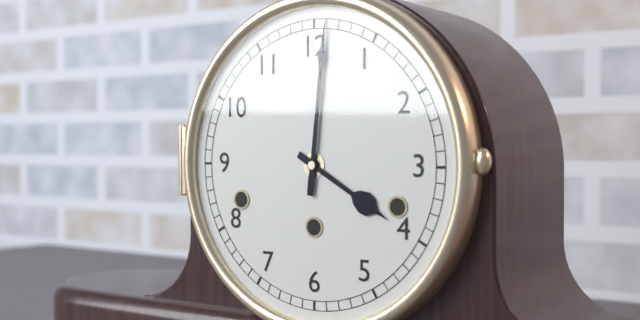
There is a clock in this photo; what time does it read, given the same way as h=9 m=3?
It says h=4 m=1
